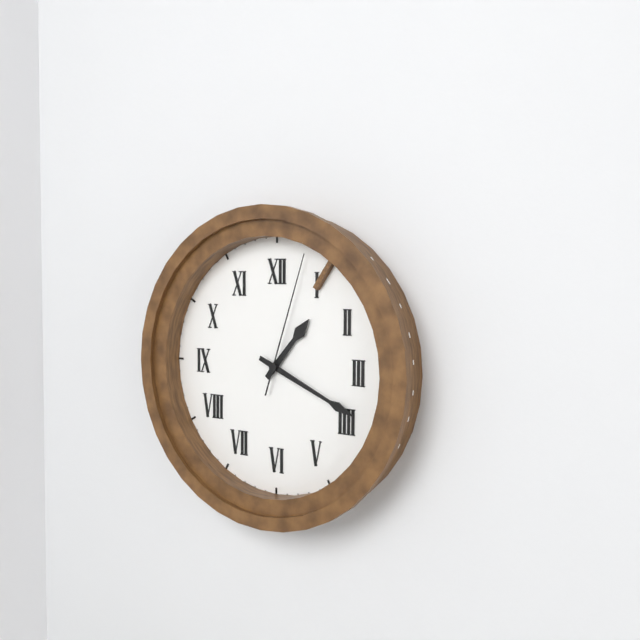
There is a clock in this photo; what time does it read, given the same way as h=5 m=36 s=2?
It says h=1 m=19 s=3
